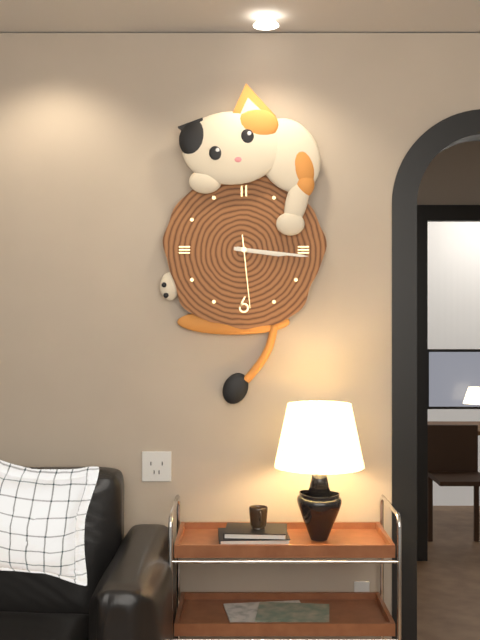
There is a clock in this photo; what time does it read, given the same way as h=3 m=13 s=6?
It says h=3 m=16 s=29
